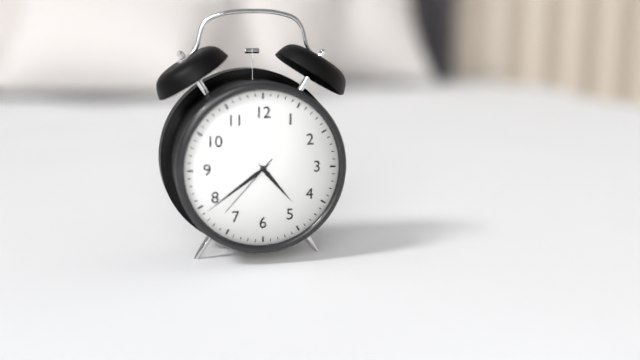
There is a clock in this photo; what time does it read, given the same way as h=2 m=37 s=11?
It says h=4 m=39 s=37
